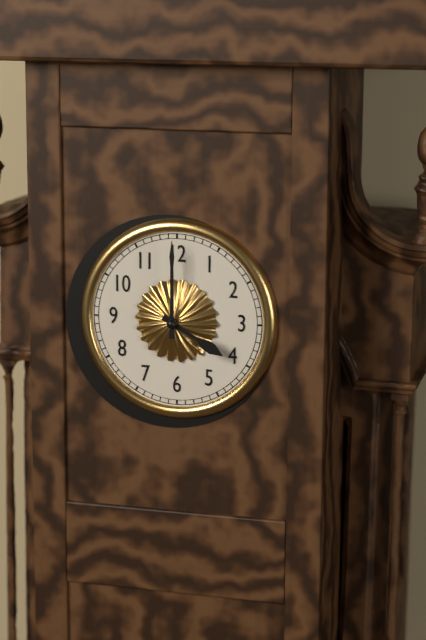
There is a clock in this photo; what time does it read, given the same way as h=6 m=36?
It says h=4 m=0
